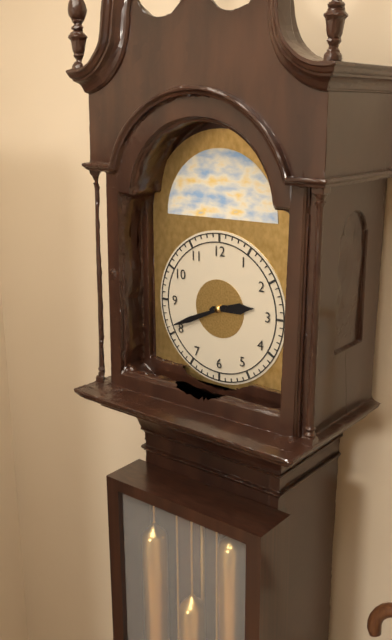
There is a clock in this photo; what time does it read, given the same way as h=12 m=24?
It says h=2 m=41
